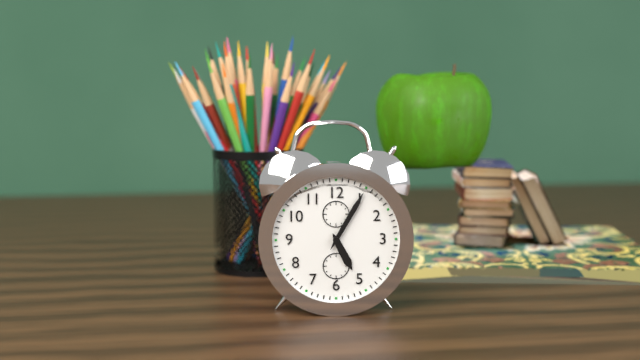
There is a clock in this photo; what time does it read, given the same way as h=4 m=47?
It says h=5 m=5
